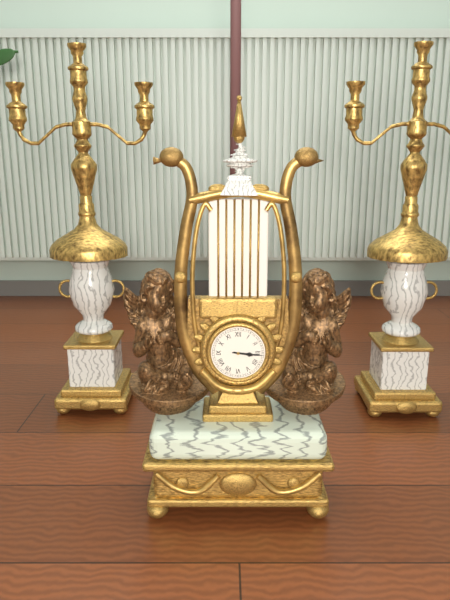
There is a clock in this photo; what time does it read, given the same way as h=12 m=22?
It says h=3 m=16
